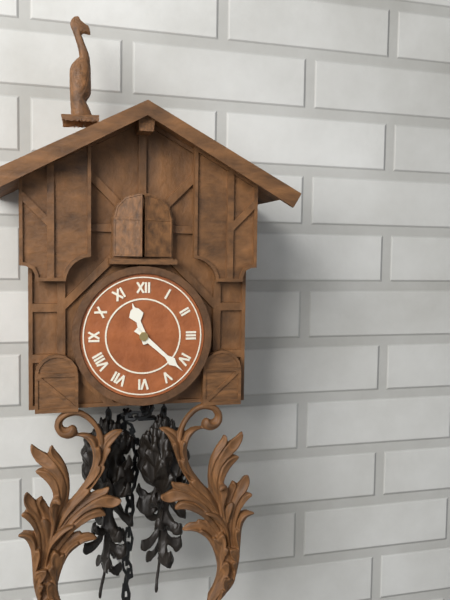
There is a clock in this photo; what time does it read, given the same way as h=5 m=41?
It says h=11 m=22
